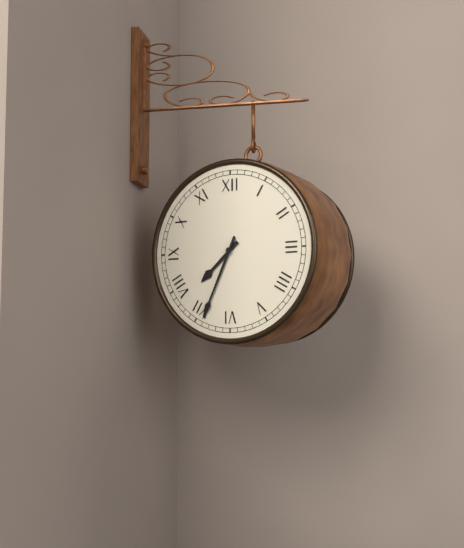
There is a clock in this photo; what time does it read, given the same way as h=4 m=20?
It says h=7 m=34
